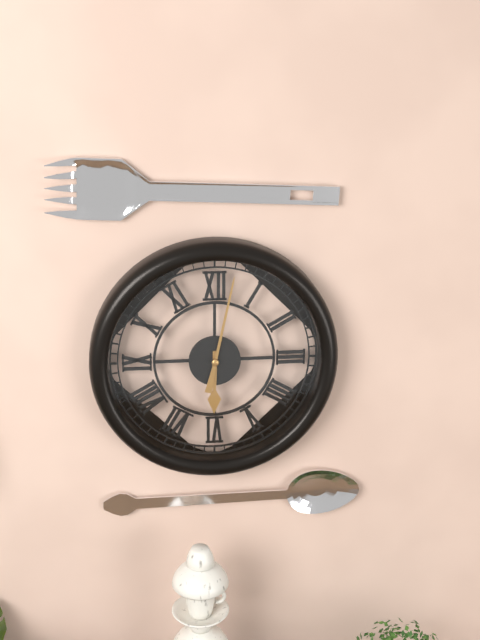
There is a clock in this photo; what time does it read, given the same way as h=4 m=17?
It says h=6 m=2
